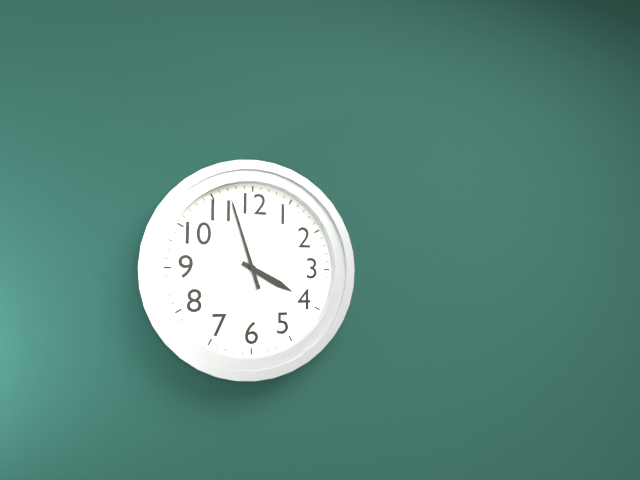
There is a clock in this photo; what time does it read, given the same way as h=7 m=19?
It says h=3 m=57
